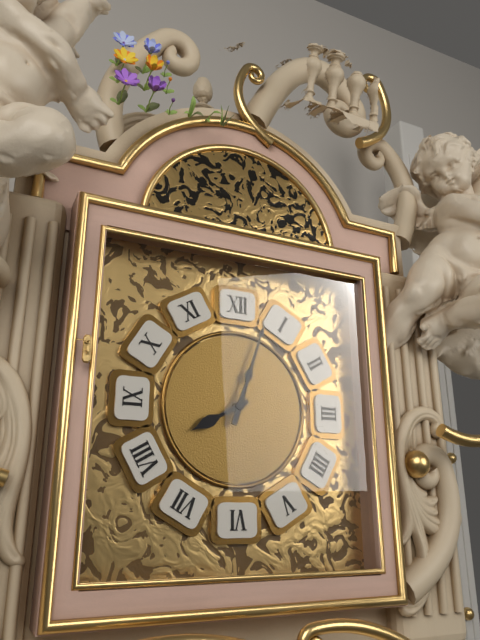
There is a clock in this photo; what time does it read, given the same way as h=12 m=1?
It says h=8 m=3
